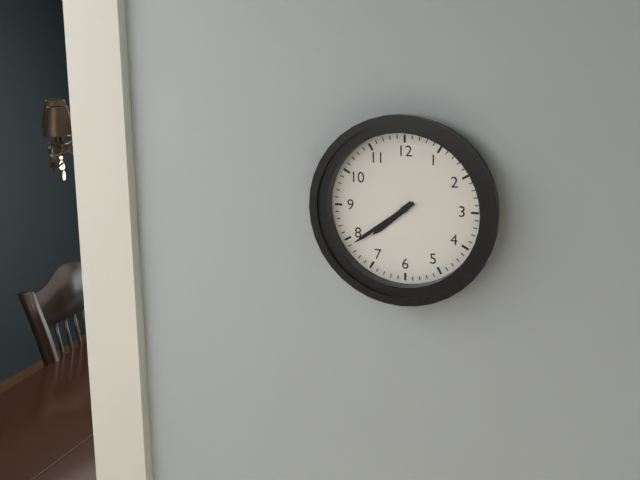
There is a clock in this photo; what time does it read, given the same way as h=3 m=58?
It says h=7 m=39
